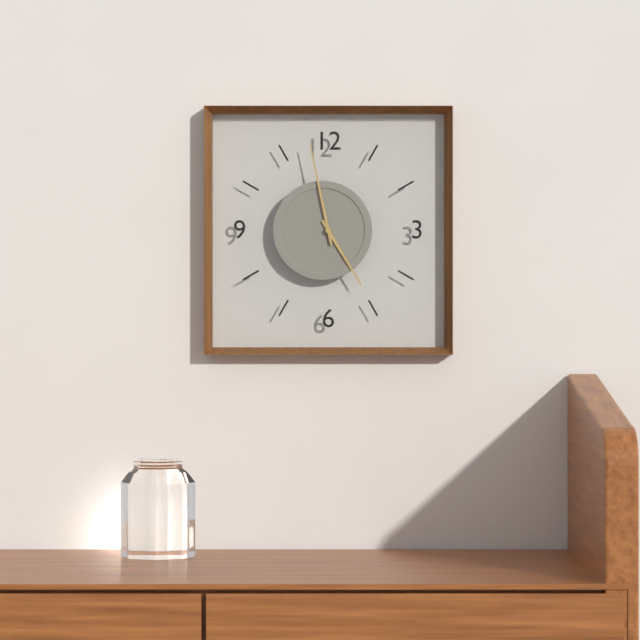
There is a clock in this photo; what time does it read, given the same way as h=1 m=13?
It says h=4 m=58
